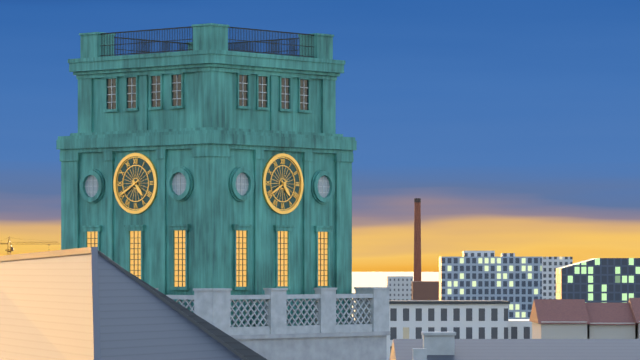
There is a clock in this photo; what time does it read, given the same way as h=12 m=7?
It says h=4 m=40
